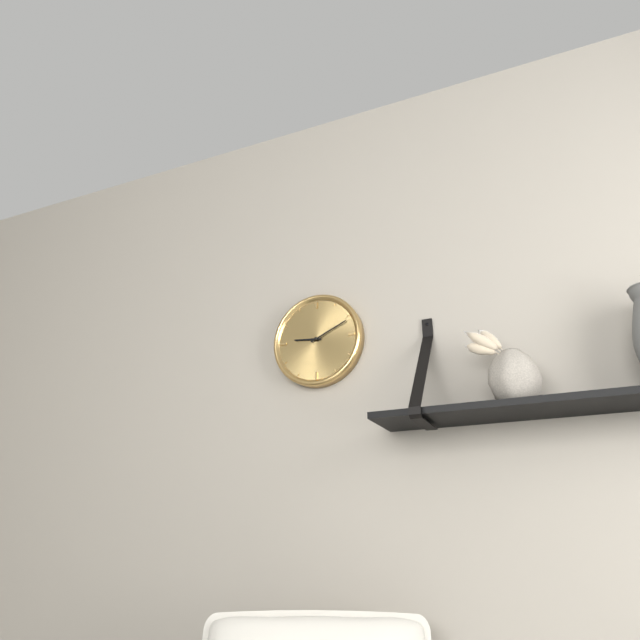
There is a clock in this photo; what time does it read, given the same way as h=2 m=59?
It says h=9 m=11
